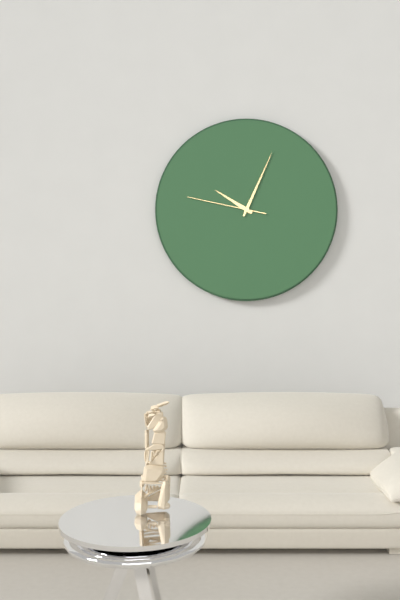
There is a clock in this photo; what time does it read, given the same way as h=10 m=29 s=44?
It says h=10 m=4 s=47
